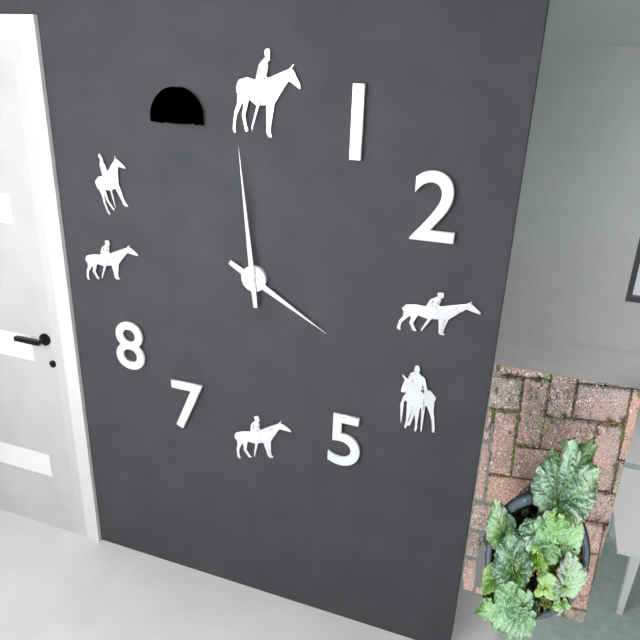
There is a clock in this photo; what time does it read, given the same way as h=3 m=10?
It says h=3 m=59
